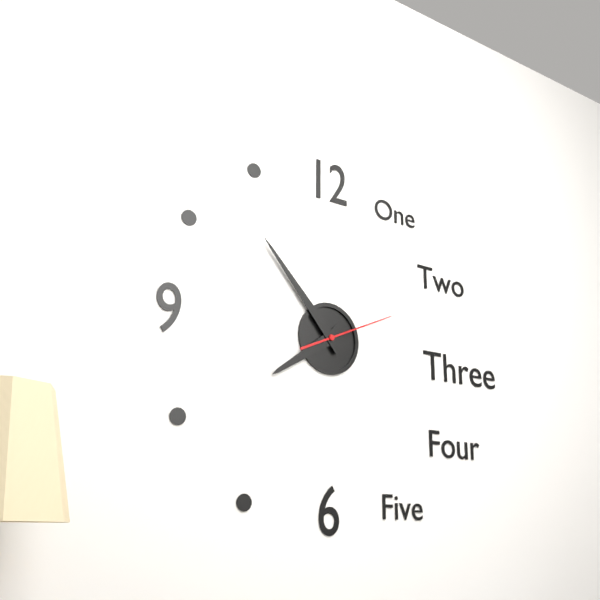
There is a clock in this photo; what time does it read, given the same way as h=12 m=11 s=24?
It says h=7 m=53 s=11
